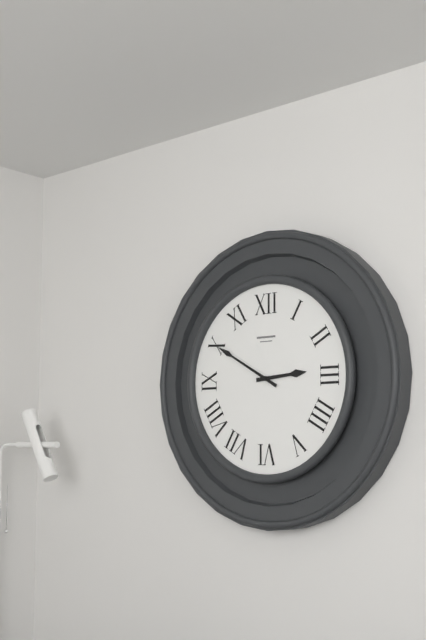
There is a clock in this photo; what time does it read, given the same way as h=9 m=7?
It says h=2 m=50
